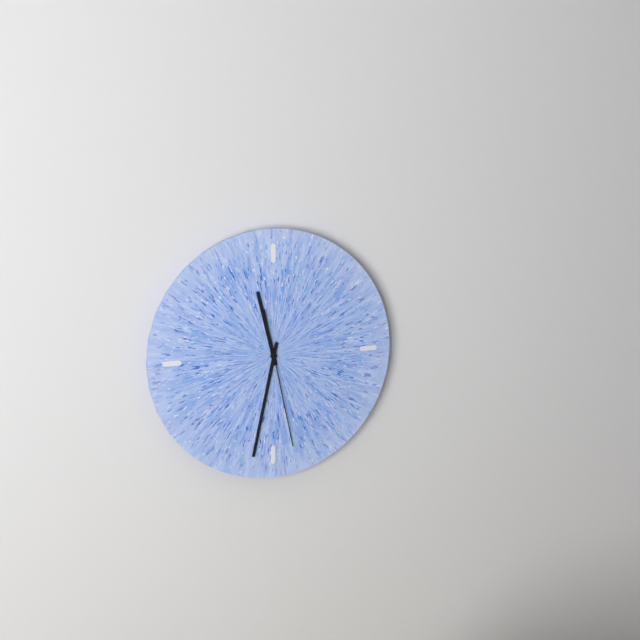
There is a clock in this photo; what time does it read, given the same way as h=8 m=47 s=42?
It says h=11 m=32 s=28
